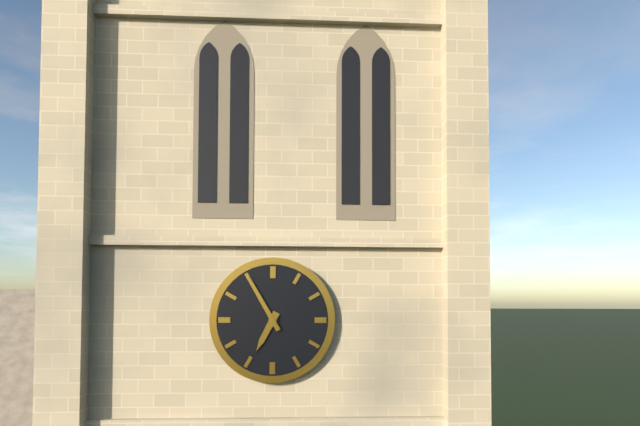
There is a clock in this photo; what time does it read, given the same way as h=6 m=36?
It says h=6 m=55
